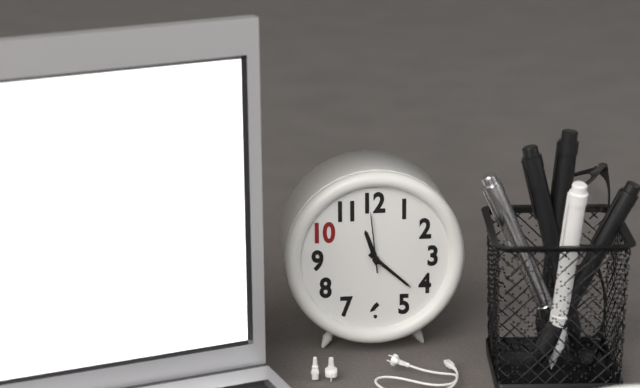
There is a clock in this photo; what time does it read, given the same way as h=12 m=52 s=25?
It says h=11 m=22 s=59
